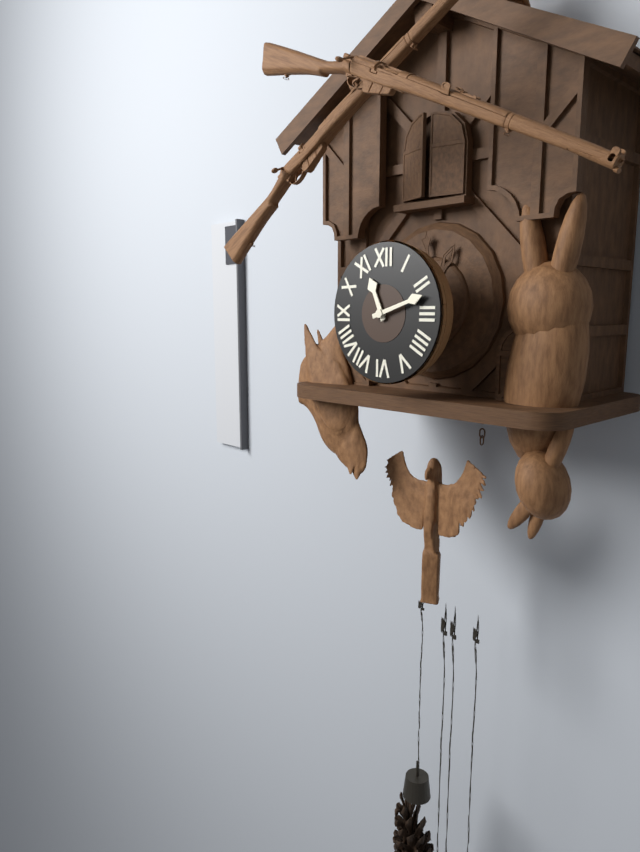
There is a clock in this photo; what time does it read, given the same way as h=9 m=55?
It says h=11 m=12
